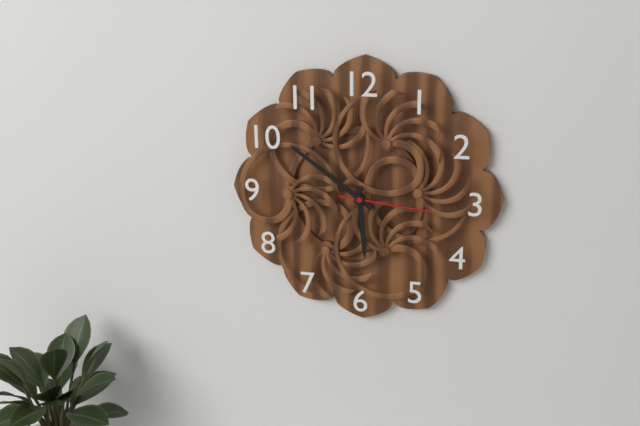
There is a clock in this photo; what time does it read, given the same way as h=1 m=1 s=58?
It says h=5 m=51 s=16
